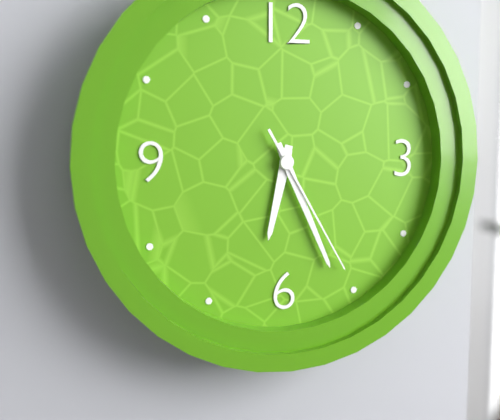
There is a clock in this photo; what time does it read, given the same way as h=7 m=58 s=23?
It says h=6 m=26 s=25
